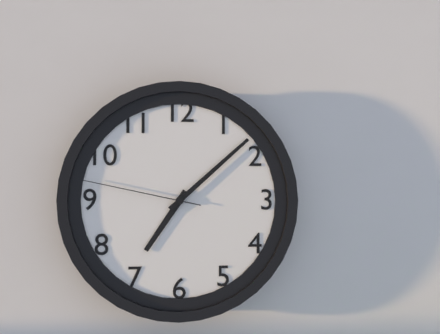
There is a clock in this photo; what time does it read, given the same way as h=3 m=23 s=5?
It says h=7 m=8 s=47
